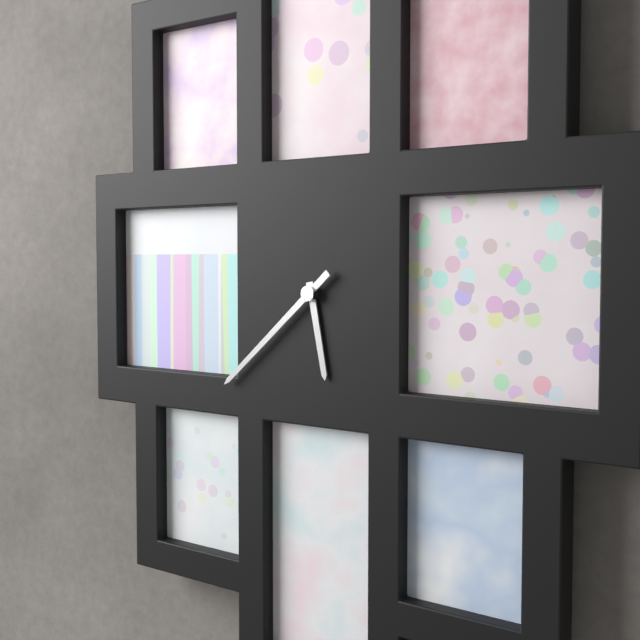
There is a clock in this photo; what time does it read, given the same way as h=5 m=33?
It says h=5 m=38
